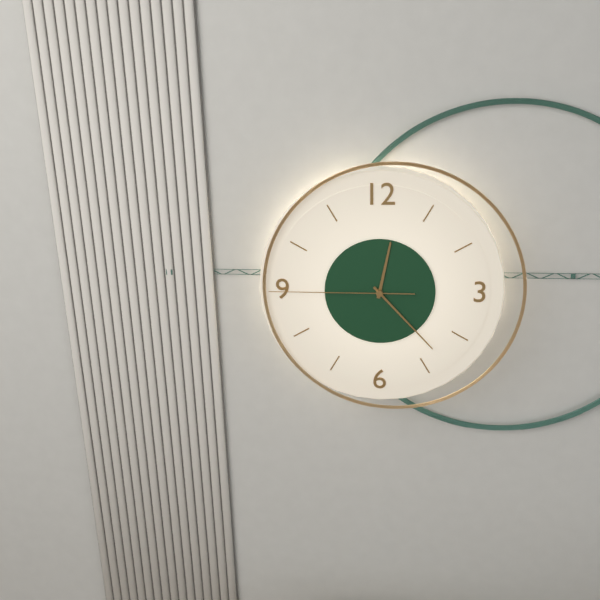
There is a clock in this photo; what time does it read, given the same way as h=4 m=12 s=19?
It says h=12 m=23 s=45
